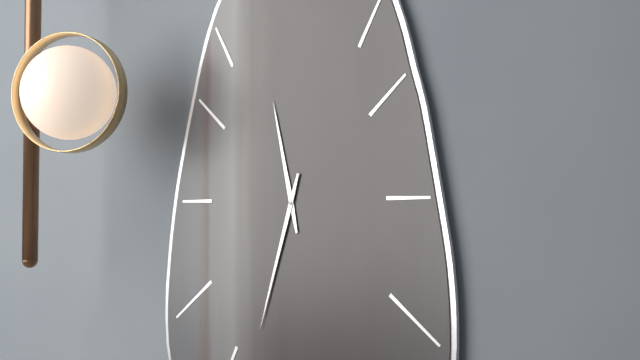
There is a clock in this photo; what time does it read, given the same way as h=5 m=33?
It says h=11 m=33
